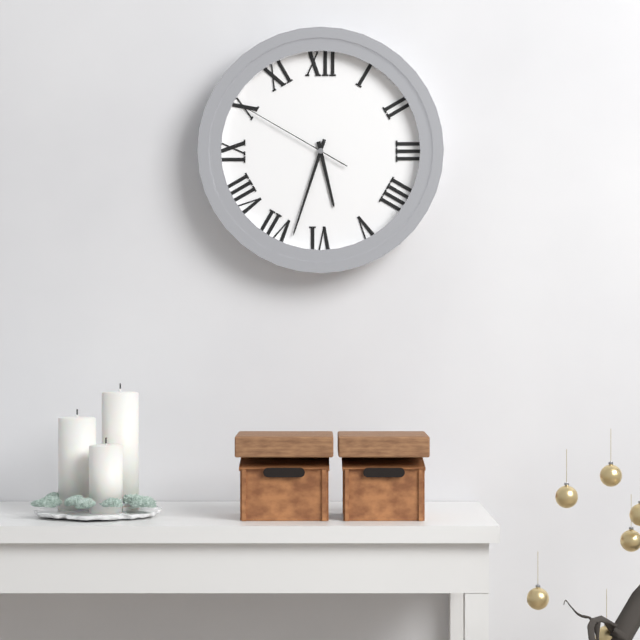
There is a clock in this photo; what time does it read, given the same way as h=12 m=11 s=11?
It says h=5 m=33 s=50
